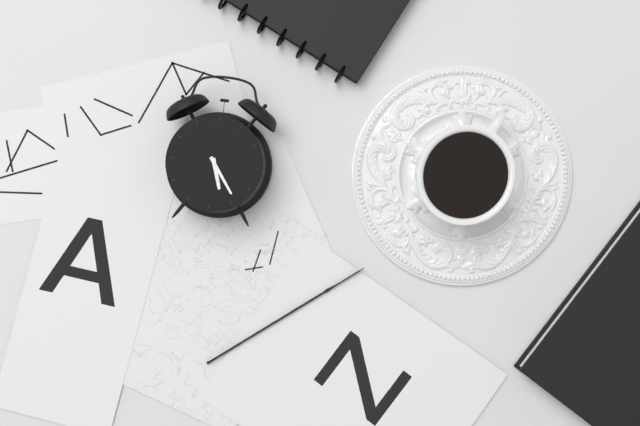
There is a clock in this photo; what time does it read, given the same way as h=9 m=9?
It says h=5 m=24
